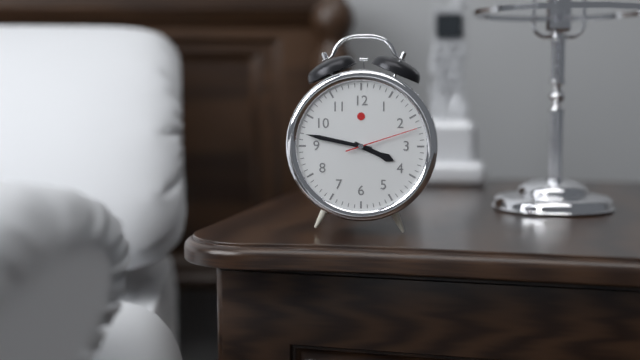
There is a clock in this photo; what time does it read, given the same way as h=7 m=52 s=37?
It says h=3 m=47 s=12
